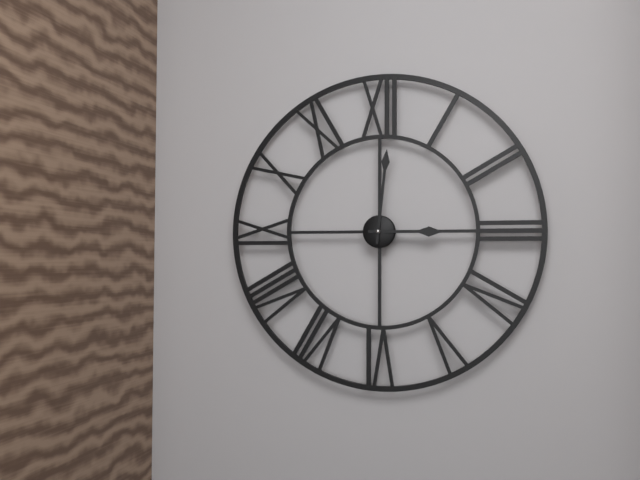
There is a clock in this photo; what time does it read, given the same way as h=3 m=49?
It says h=3 m=1
